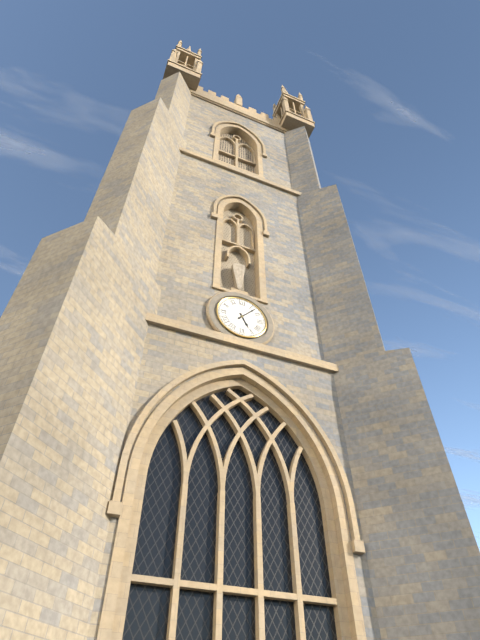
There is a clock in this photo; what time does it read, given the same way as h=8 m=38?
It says h=5 m=7
